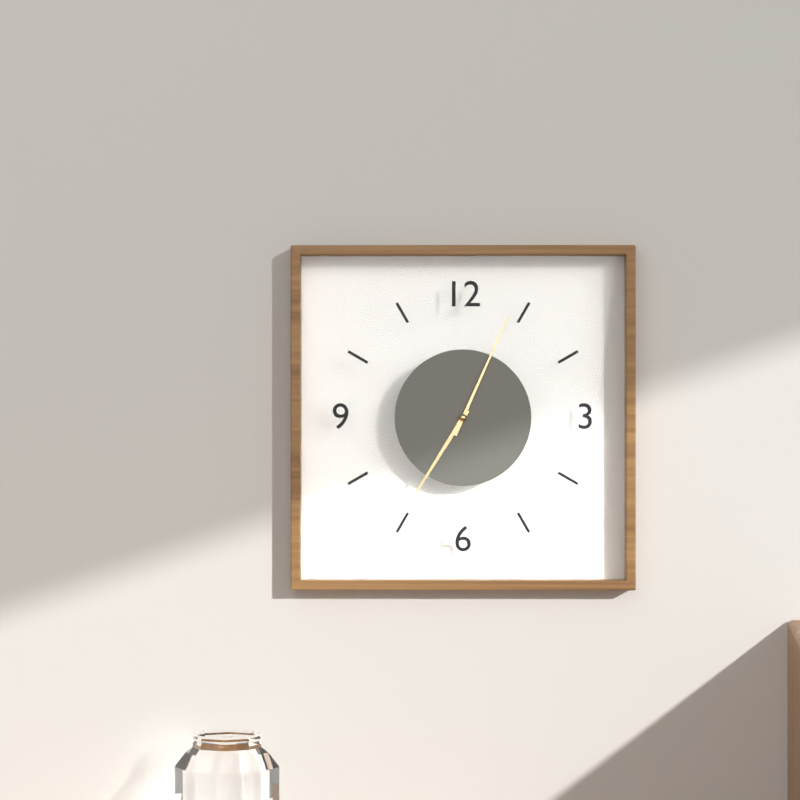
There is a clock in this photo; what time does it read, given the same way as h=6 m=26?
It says h=7 m=4
